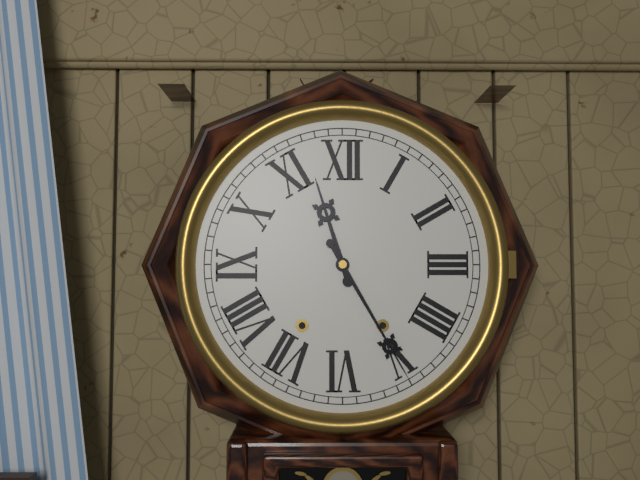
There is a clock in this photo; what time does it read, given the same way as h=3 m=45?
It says h=11 m=25
